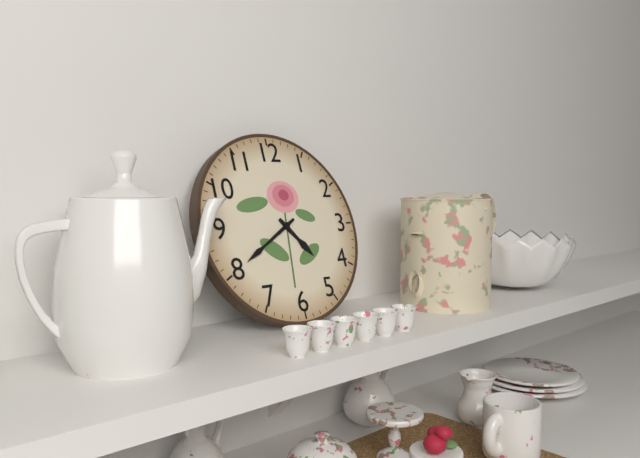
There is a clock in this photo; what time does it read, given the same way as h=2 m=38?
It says h=4 m=40
